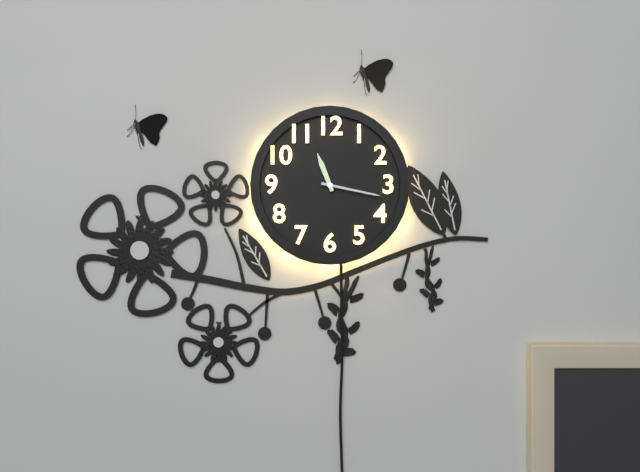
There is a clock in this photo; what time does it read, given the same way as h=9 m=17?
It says h=11 m=17
